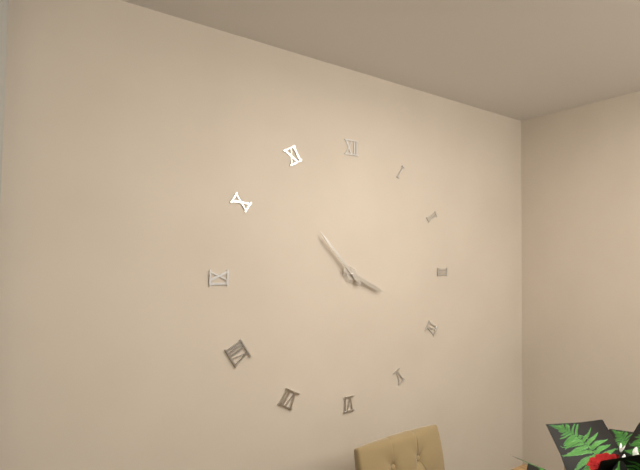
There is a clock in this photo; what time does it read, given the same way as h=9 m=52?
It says h=3 m=53
